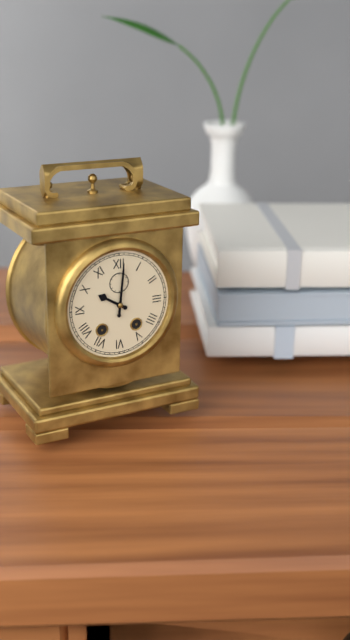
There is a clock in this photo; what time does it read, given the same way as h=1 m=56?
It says h=10 m=1
